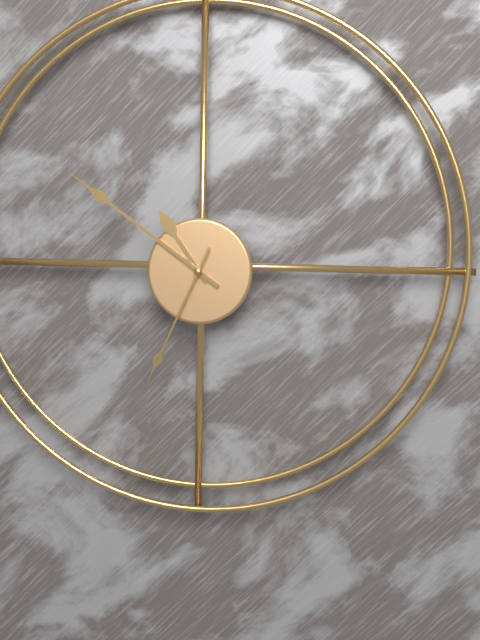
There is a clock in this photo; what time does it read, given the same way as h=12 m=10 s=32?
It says h=10 m=51 s=34
